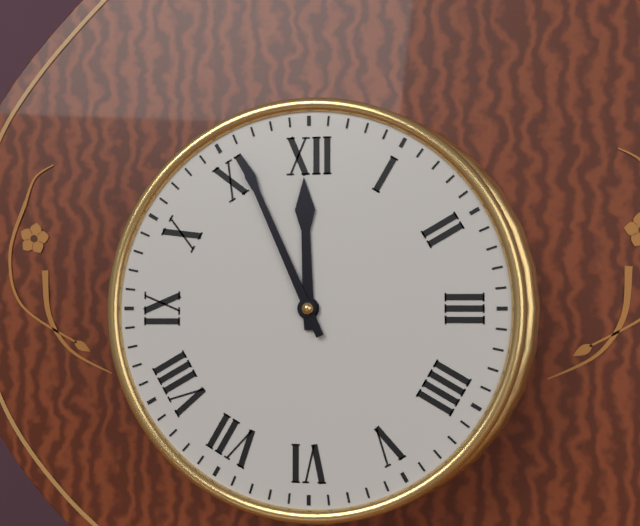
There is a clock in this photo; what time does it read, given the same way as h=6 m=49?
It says h=11 m=56
